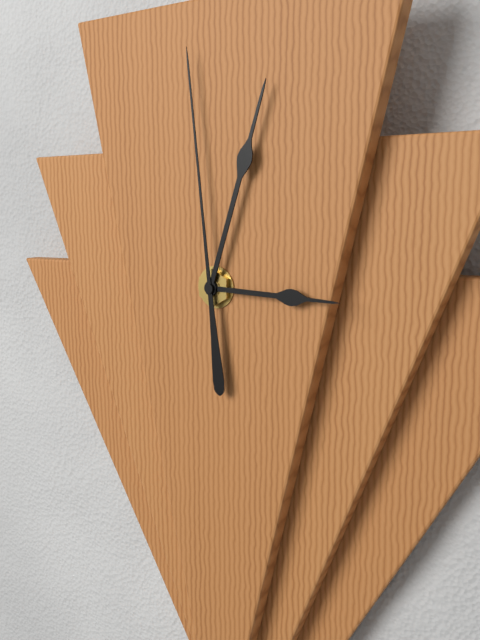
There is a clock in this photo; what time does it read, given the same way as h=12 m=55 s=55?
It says h=3 m=3 s=59
